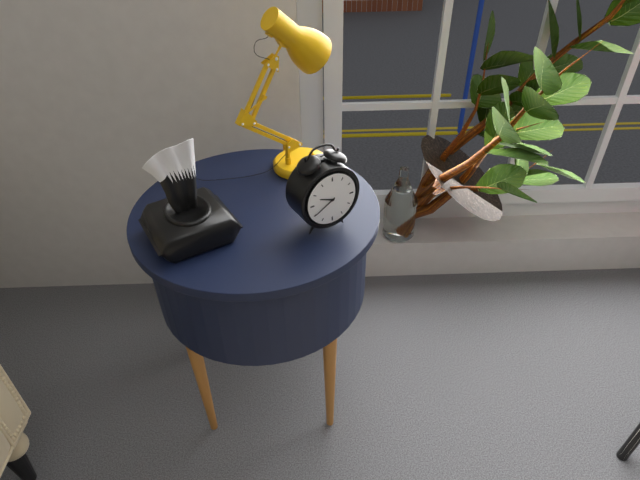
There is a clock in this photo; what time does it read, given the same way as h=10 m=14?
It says h=9 m=40
